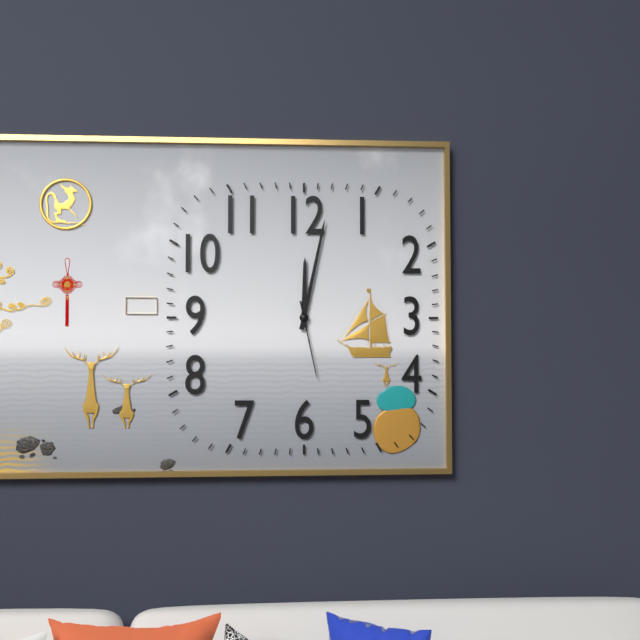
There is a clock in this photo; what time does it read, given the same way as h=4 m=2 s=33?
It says h=12 m=2 s=28
